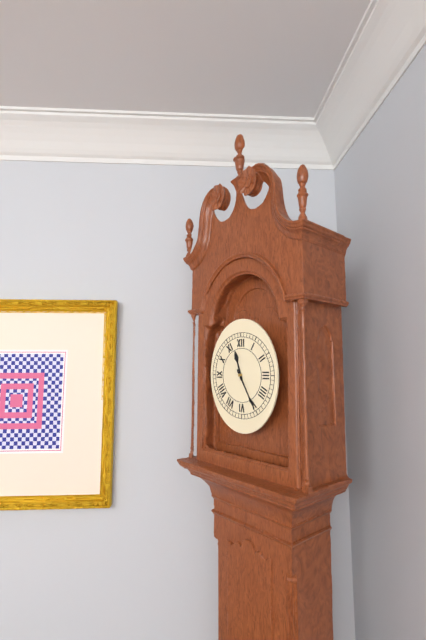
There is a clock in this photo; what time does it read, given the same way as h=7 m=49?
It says h=11 m=25
